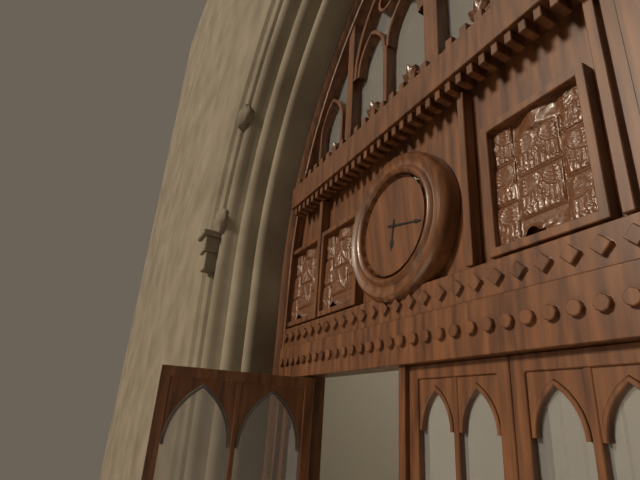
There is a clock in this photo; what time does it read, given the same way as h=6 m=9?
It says h=6 m=17
